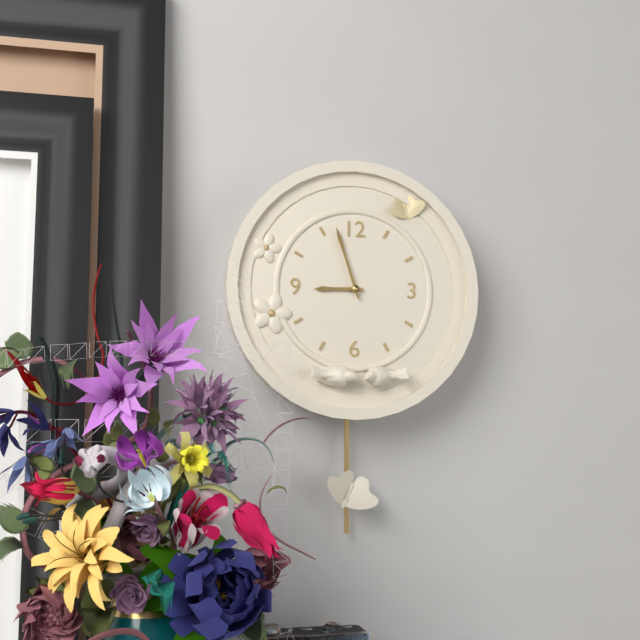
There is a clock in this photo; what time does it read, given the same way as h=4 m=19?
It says h=8 m=57
